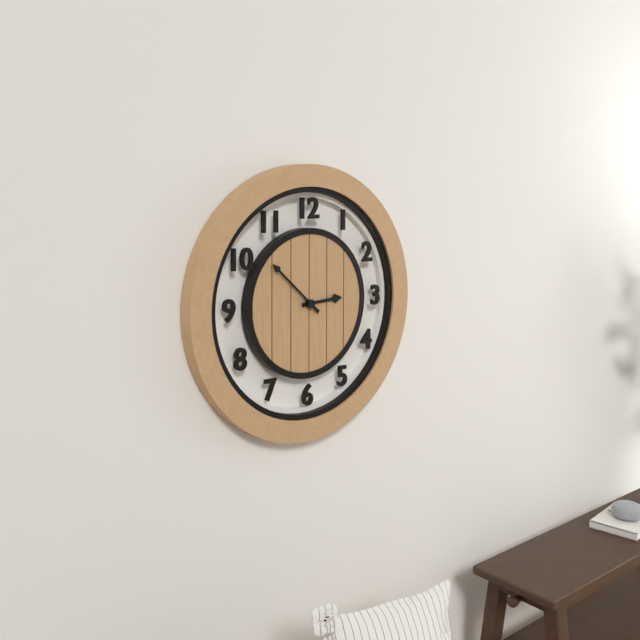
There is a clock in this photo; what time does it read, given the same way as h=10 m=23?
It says h=2 m=52
